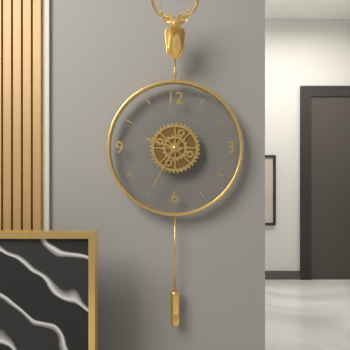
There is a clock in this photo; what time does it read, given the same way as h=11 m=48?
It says h=9 m=35
